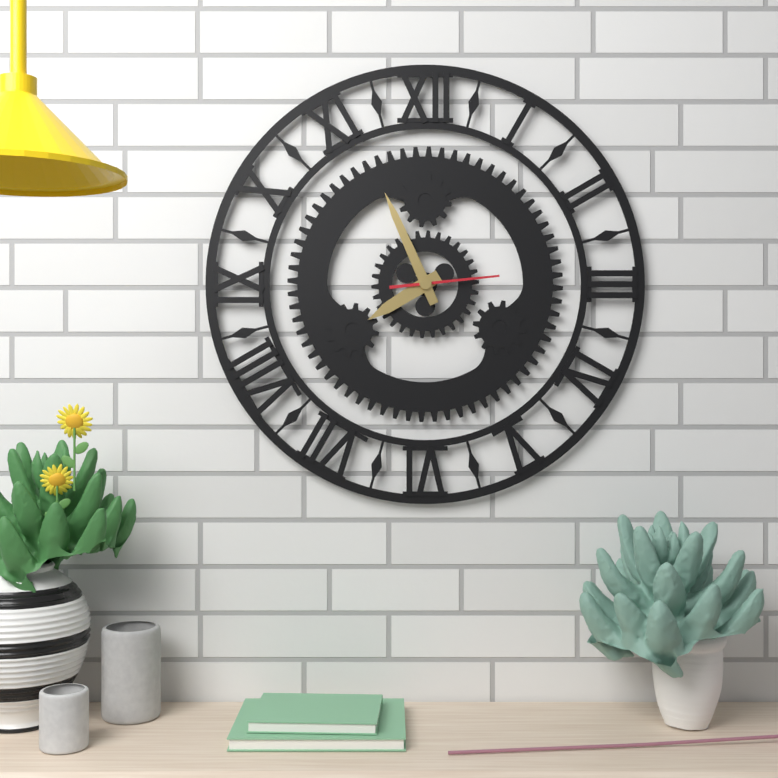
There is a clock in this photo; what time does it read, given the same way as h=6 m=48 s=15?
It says h=7 m=56 s=14
